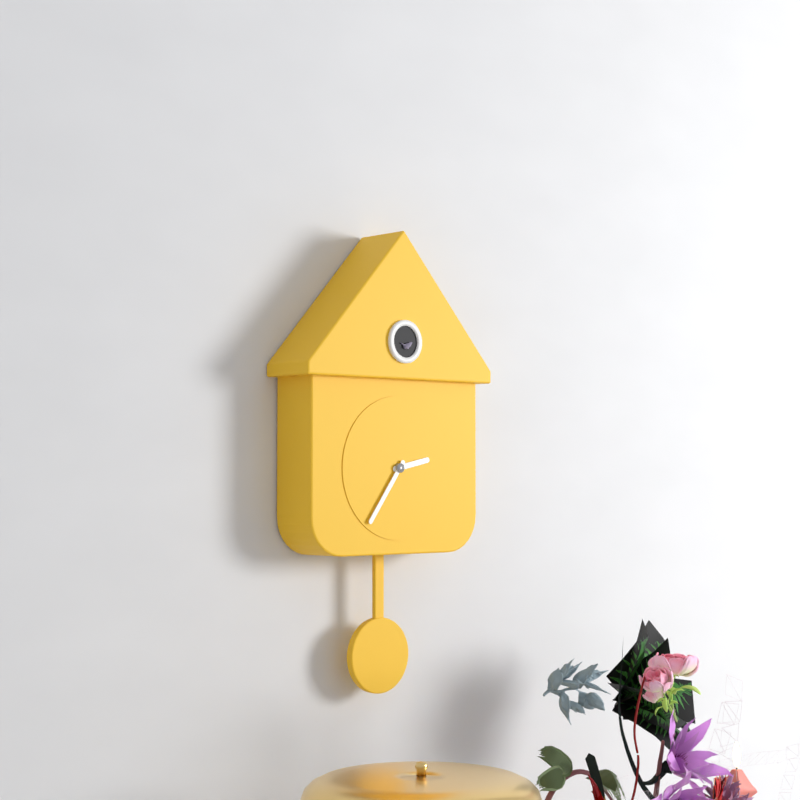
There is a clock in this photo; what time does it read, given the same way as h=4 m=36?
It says h=2 m=36
